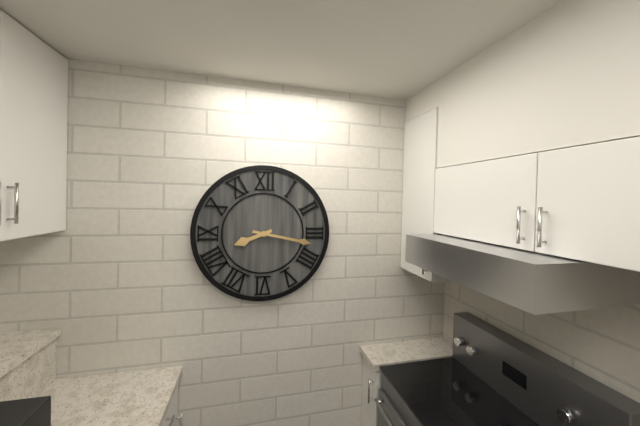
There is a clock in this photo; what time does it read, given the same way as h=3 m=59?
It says h=8 m=17
